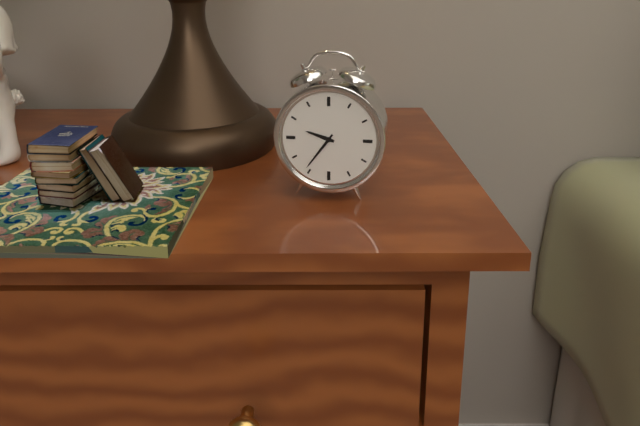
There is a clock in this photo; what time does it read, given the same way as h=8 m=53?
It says h=9 m=36
